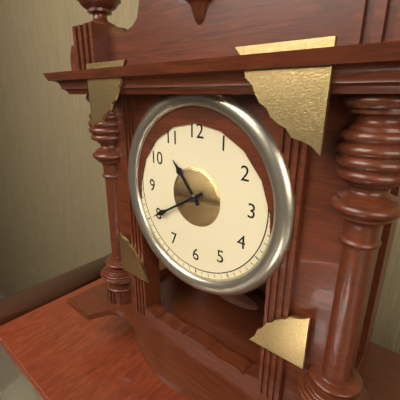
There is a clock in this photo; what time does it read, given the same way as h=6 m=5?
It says h=10 m=40
